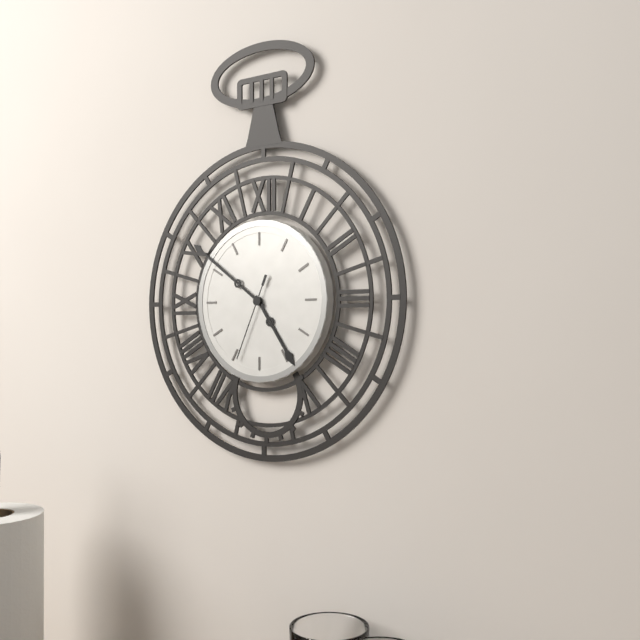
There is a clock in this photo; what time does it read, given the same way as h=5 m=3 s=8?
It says h=4 m=51 s=34
